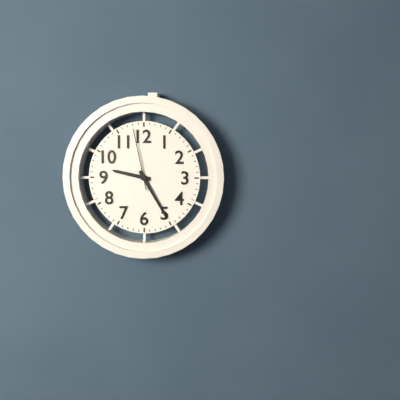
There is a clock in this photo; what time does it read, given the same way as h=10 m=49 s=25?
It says h=9 m=25 s=58
